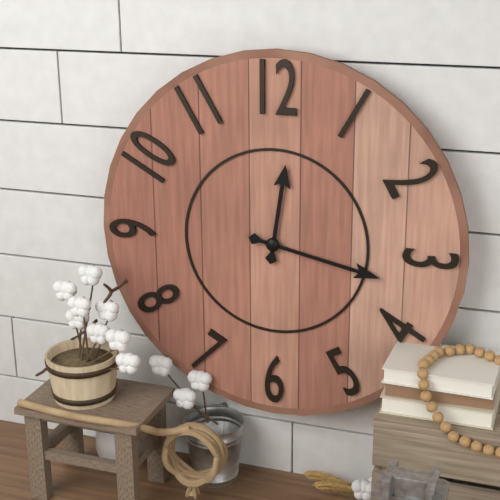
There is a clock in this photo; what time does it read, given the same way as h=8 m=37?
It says h=12 m=17
